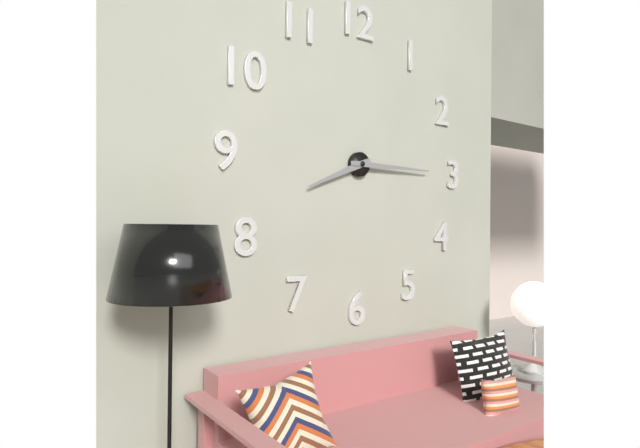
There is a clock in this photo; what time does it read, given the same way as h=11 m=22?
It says h=8 m=15
